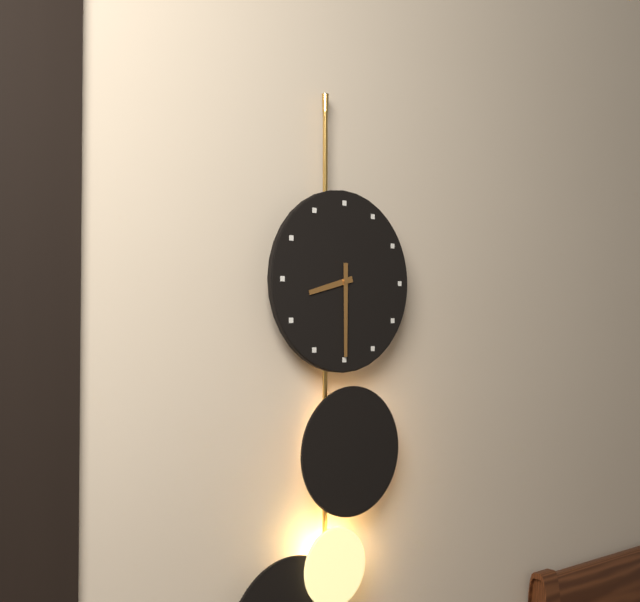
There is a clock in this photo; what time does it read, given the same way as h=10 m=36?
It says h=8 m=30
